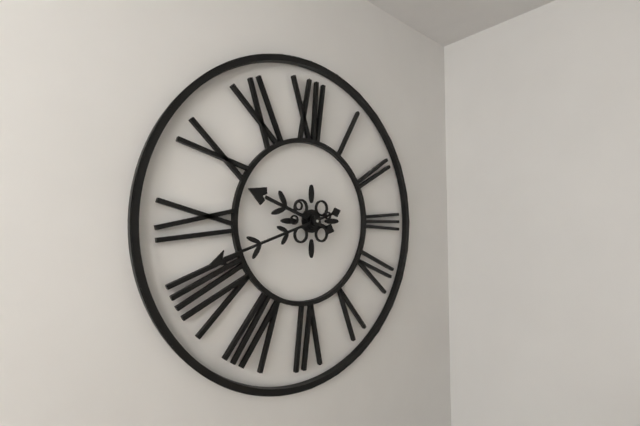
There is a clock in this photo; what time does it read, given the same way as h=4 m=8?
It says h=9 m=42
